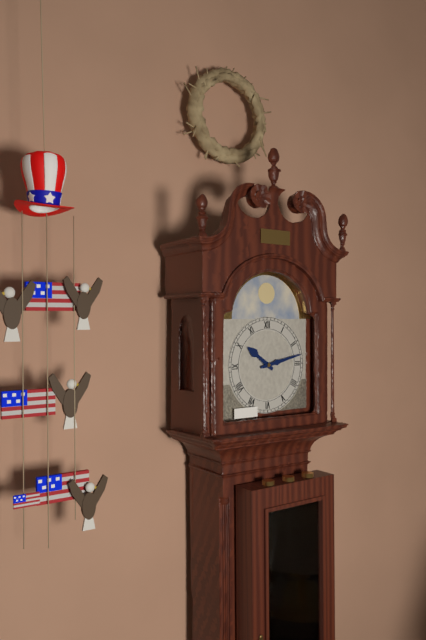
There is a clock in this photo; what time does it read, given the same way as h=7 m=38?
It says h=10 m=13
